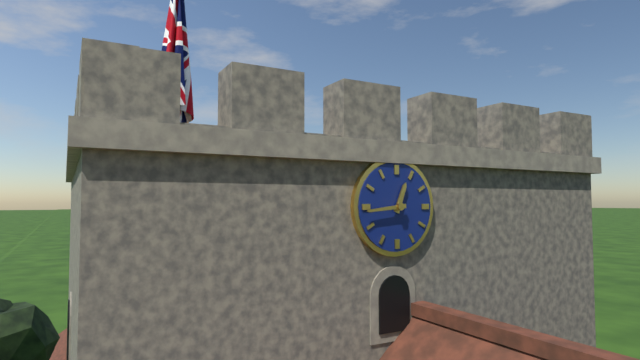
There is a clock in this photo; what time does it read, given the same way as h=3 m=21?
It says h=12 m=44
